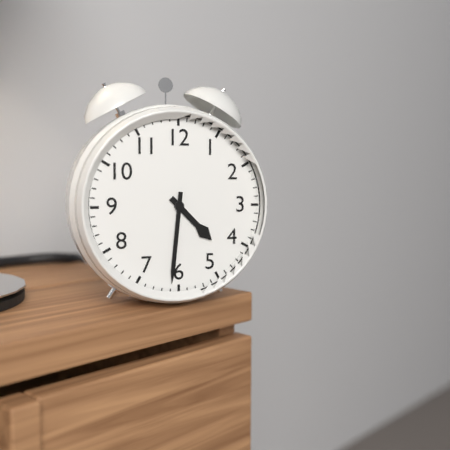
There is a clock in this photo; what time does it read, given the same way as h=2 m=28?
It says h=4 m=31
